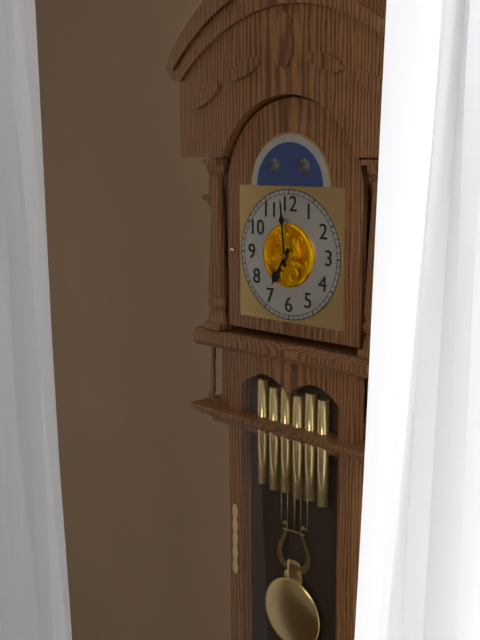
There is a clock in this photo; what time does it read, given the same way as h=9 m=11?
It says h=6 m=59
